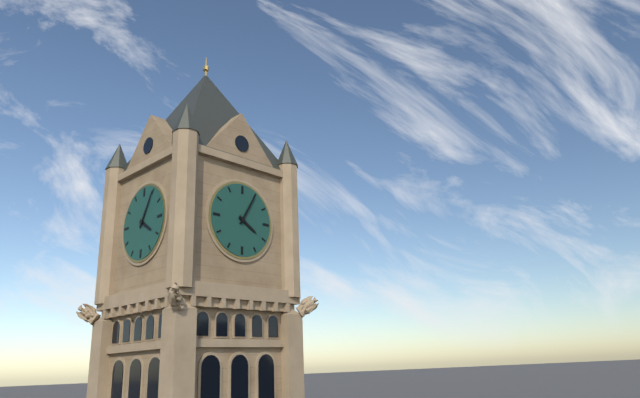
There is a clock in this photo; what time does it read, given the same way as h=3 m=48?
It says h=4 m=5
